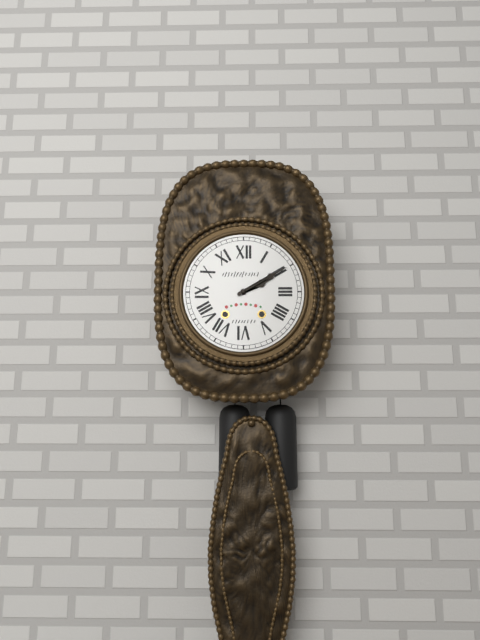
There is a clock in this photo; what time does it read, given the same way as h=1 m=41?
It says h=2 m=10
